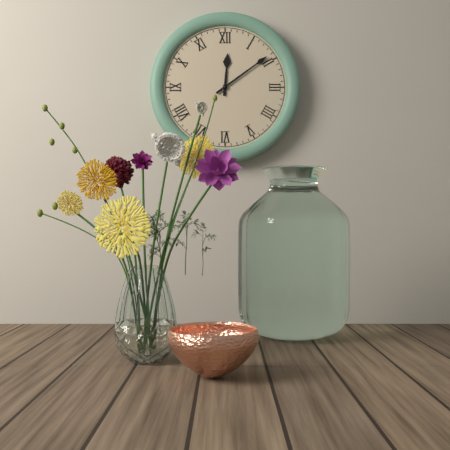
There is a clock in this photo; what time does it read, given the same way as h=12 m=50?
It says h=12 m=9
